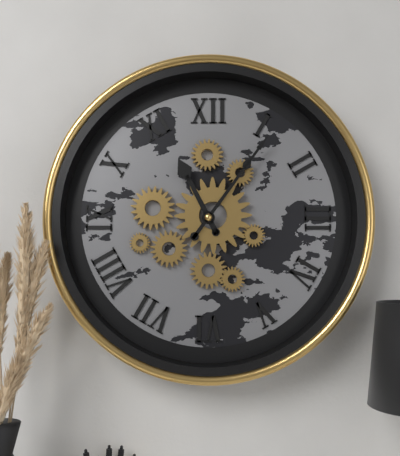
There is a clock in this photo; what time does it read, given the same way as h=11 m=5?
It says h=11 m=6
